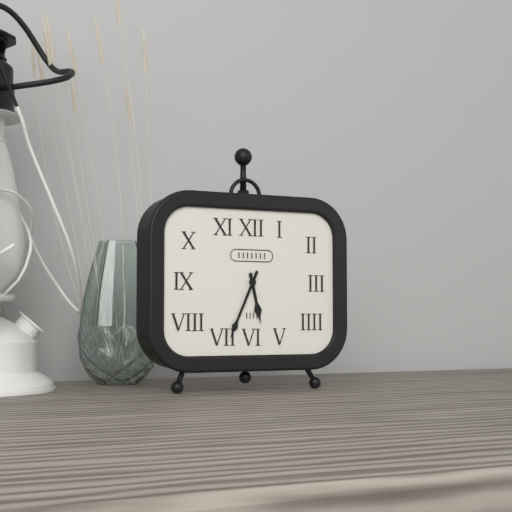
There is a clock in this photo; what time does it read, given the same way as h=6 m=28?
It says h=5 m=34
